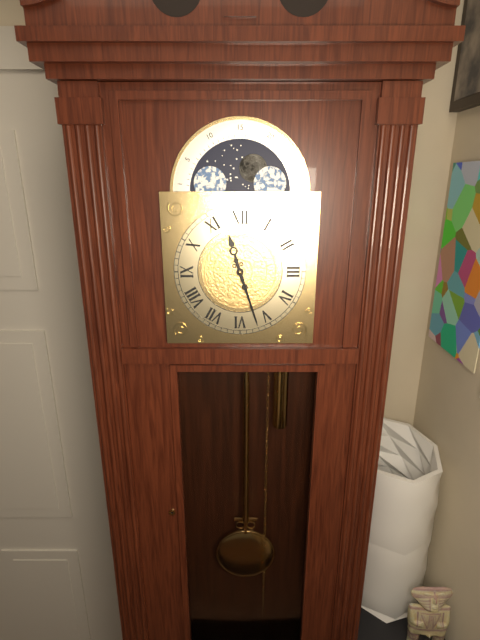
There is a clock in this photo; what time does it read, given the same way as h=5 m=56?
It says h=11 m=27
